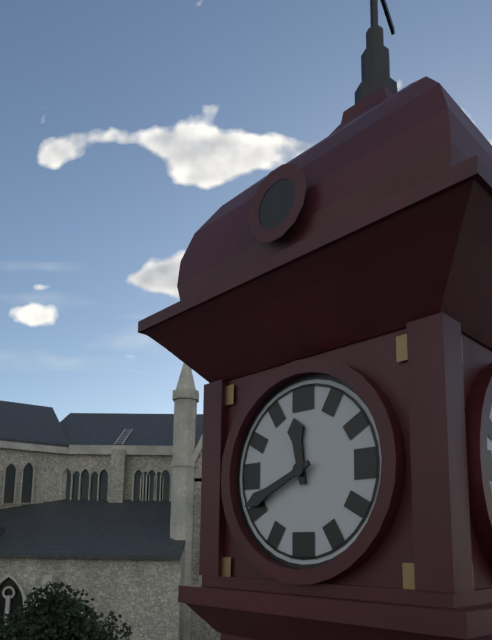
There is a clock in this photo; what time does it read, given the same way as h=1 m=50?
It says h=11 m=41
